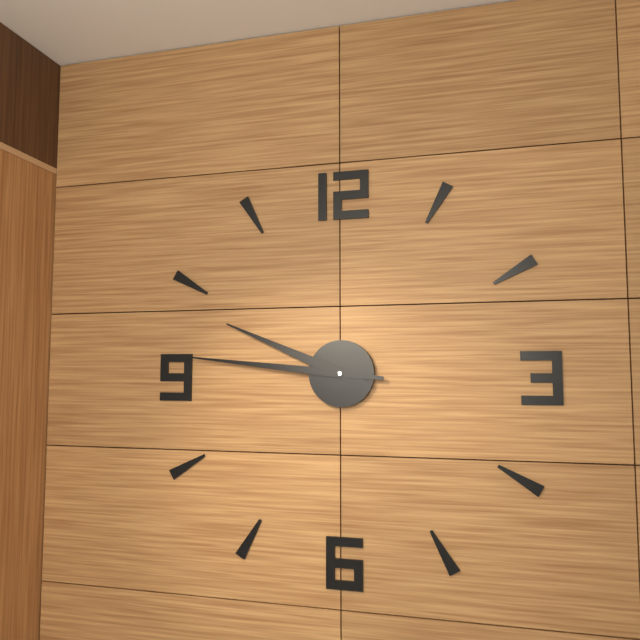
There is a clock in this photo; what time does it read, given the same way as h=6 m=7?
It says h=9 m=46
